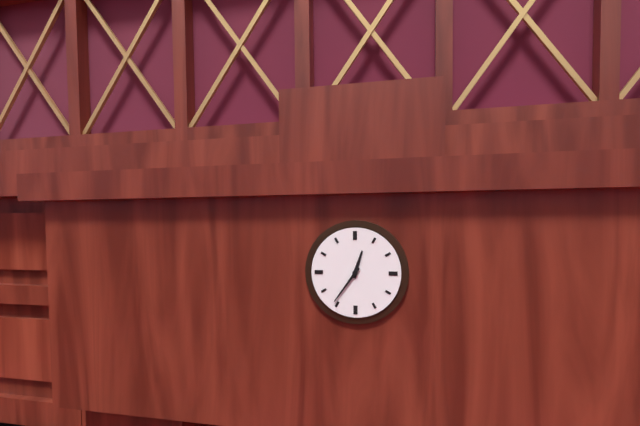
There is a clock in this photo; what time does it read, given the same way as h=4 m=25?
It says h=12 m=36
